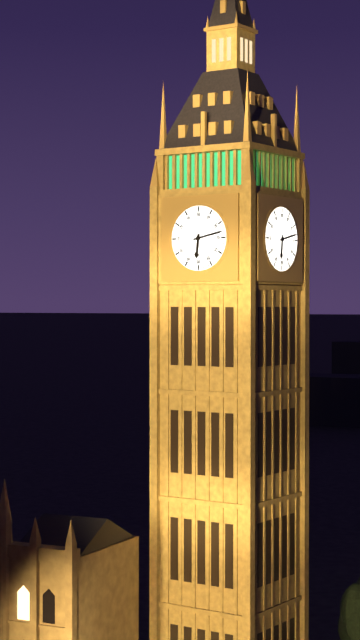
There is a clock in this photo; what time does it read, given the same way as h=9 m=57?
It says h=6 m=13
